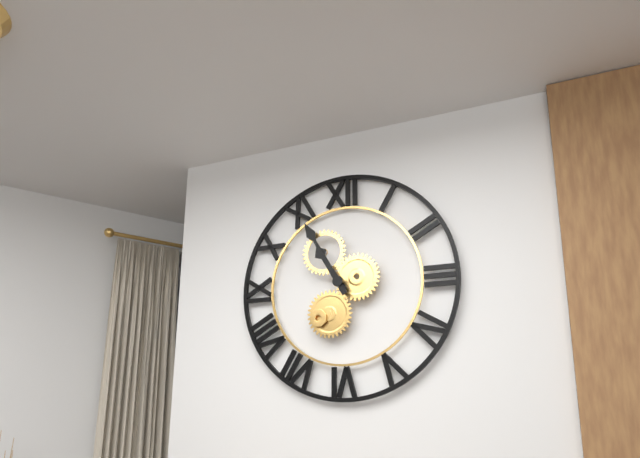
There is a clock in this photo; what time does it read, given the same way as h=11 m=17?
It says h=10 m=55
